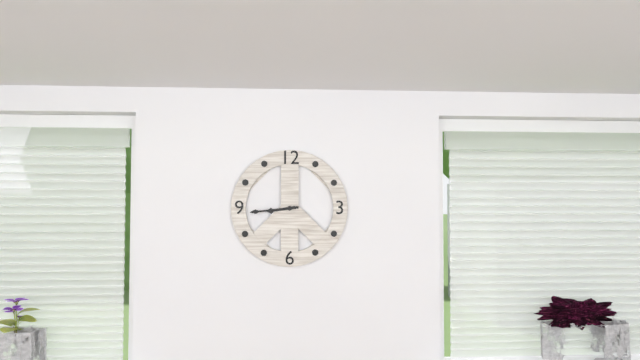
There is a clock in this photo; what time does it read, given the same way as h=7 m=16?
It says h=8 m=44
